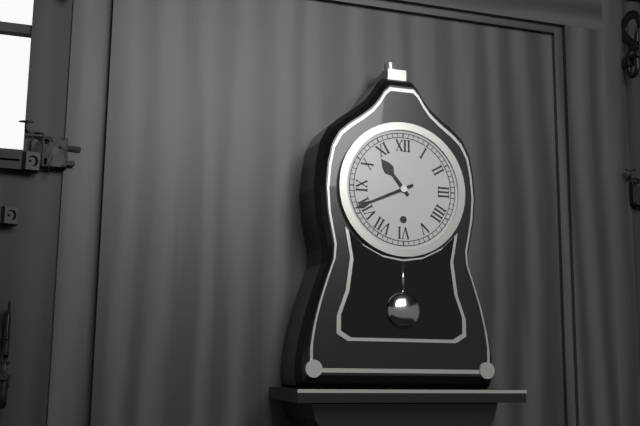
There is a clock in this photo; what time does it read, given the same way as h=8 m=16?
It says h=10 m=41
